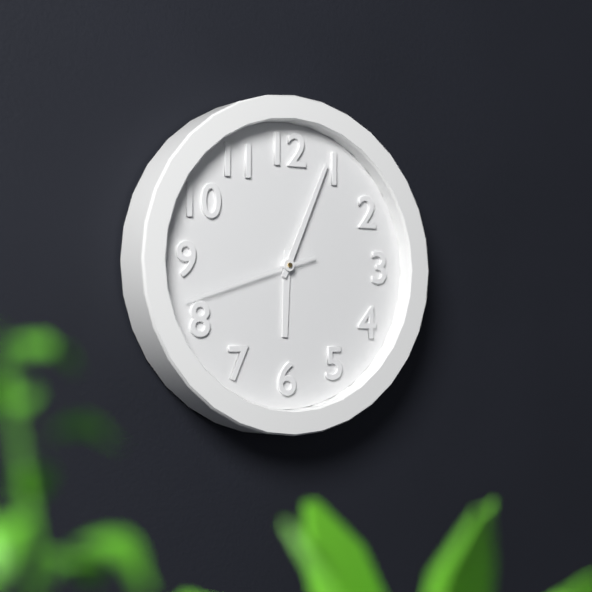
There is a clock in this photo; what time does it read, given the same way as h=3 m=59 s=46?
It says h=6 m=4 s=42
